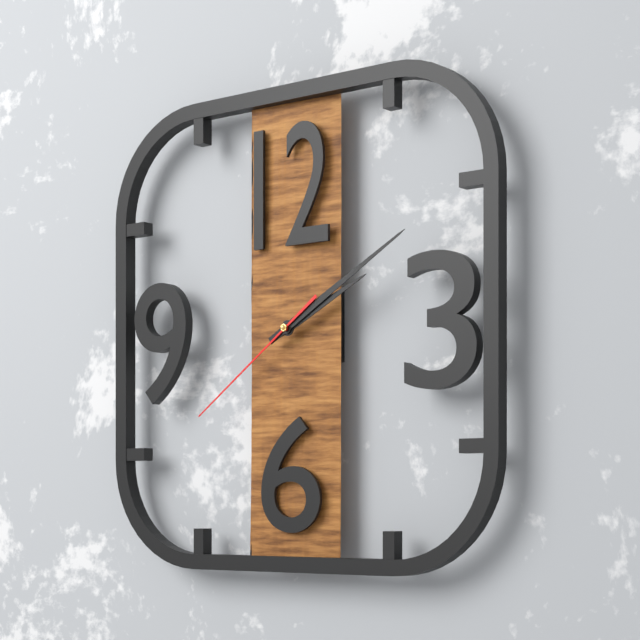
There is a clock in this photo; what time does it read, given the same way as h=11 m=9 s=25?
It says h=2 m=10 s=39
